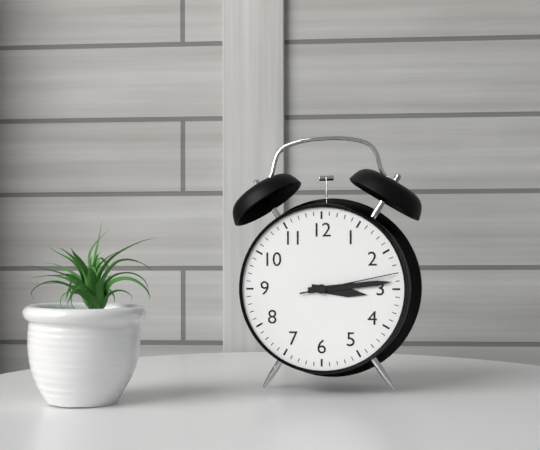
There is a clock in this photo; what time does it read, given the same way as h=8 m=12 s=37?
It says h=3 m=14 s=13
